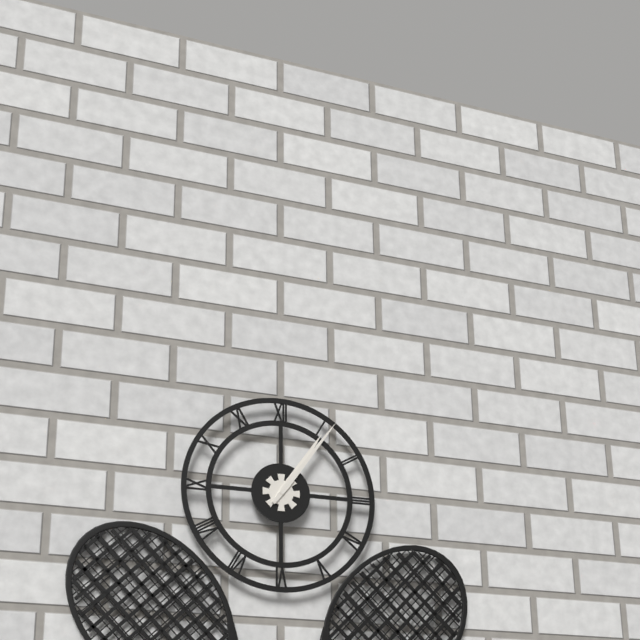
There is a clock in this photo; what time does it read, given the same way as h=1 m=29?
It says h=1 m=6
